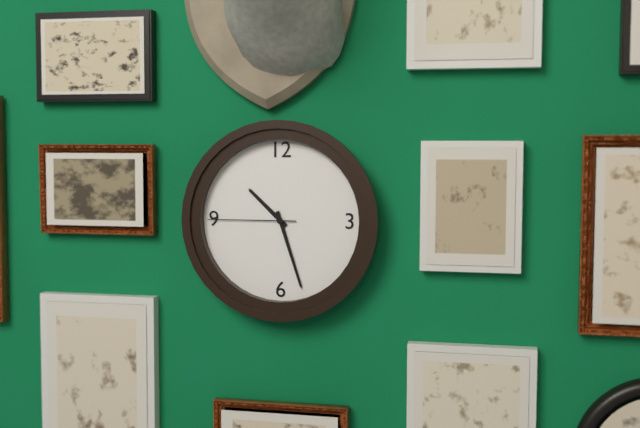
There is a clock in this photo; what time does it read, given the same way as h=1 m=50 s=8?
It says h=10 m=27 s=45
